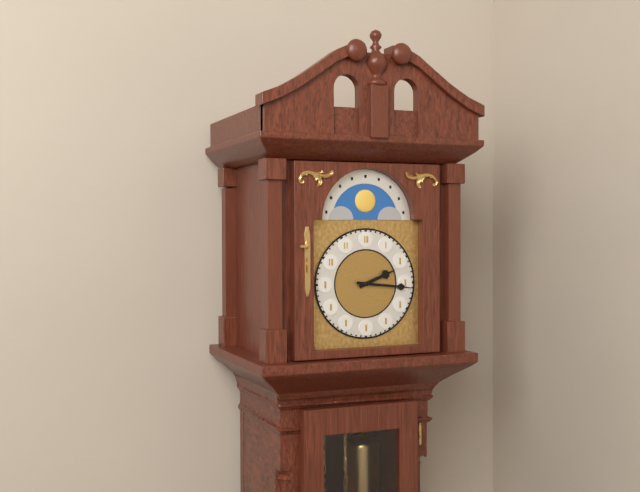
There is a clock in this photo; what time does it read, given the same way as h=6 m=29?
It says h=2 m=16
